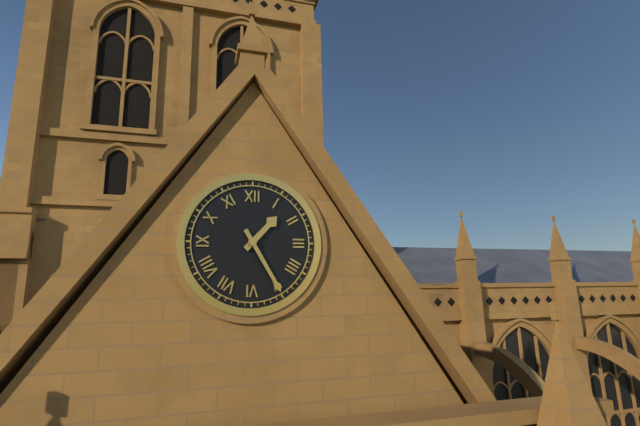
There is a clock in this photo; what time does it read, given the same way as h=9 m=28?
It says h=1 m=25
